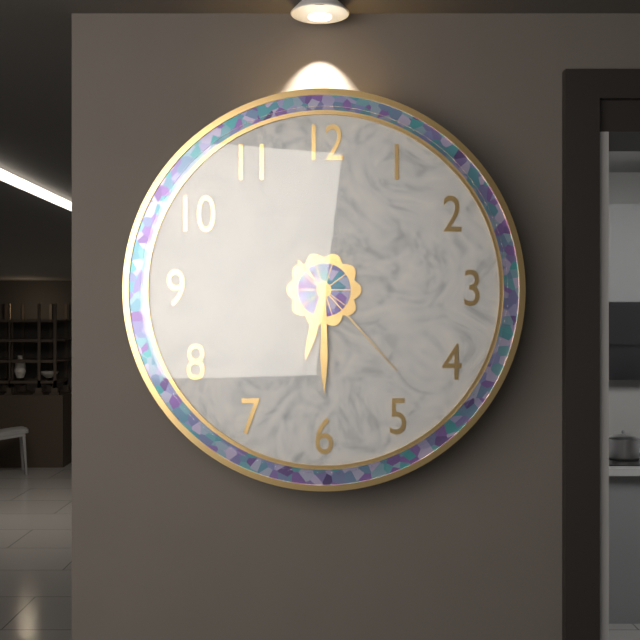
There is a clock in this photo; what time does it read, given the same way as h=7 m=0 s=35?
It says h=6 m=30 s=23
